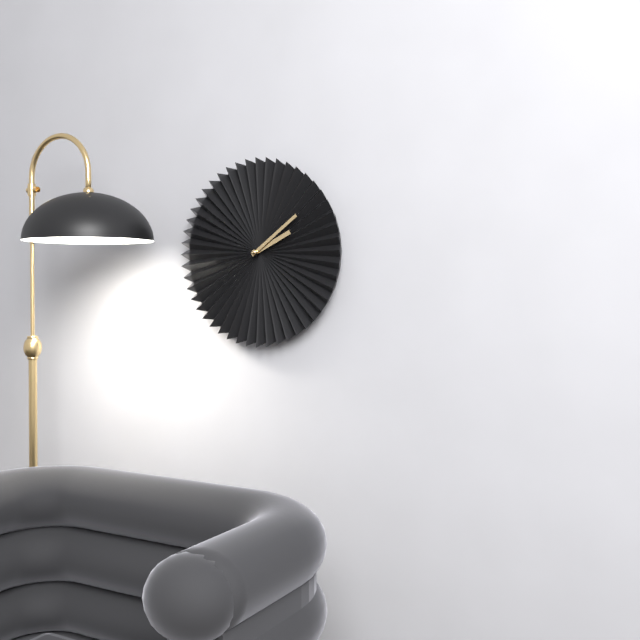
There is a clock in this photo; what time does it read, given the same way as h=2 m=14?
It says h=2 m=9
